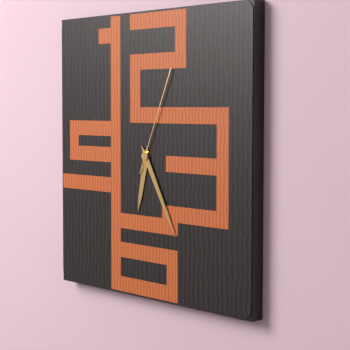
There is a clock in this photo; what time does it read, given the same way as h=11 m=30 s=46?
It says h=6 m=25 s=4
